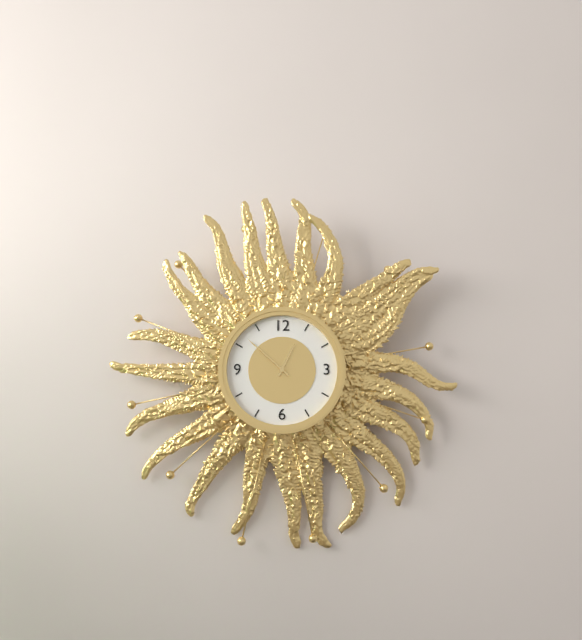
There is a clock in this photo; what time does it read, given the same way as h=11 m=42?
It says h=12 m=52
